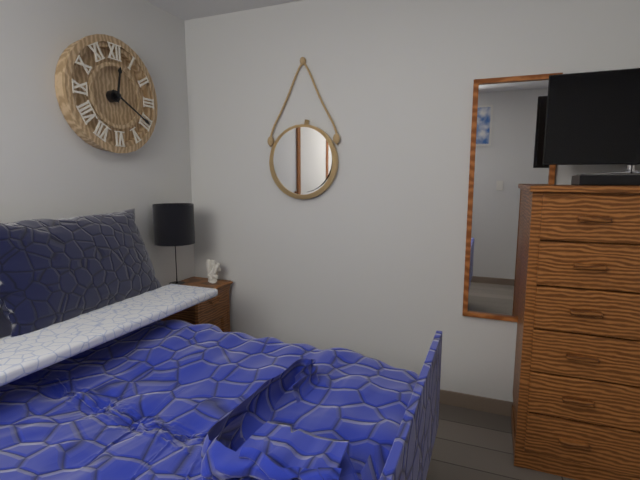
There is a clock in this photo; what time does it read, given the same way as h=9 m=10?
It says h=12 m=20
